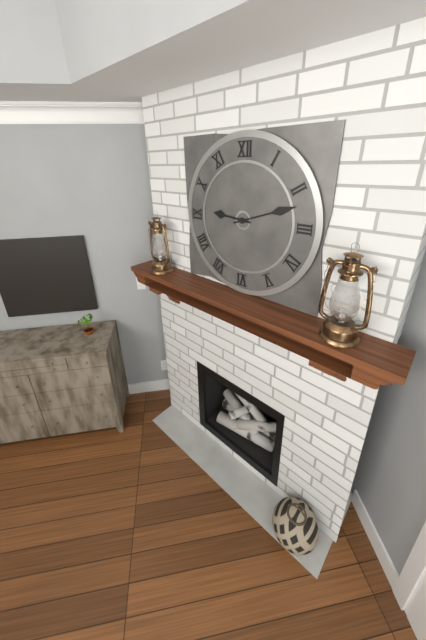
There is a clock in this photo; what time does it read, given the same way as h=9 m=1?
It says h=9 m=12
